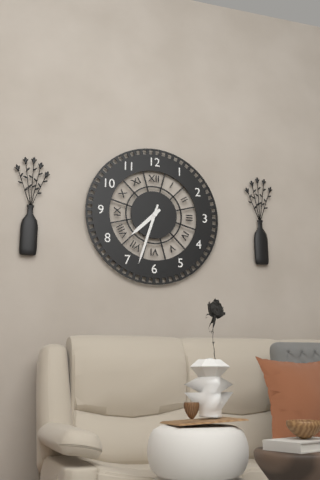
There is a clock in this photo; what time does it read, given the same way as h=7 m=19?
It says h=7 m=33
